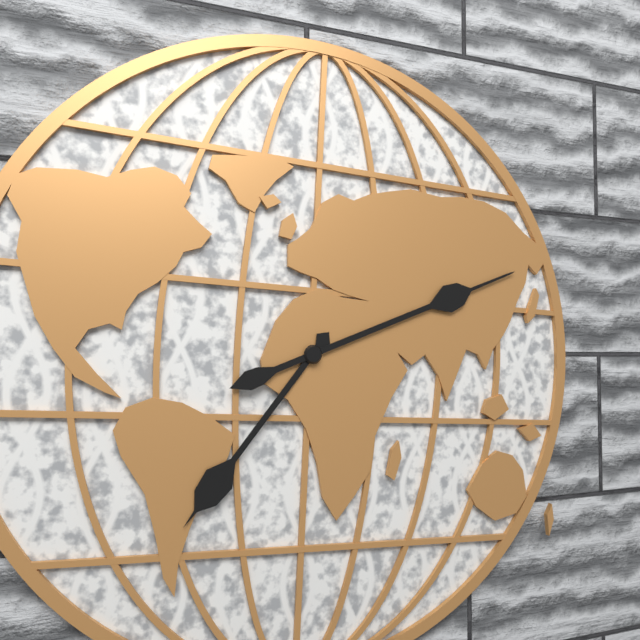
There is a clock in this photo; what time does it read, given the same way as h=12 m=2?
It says h=7 m=11
